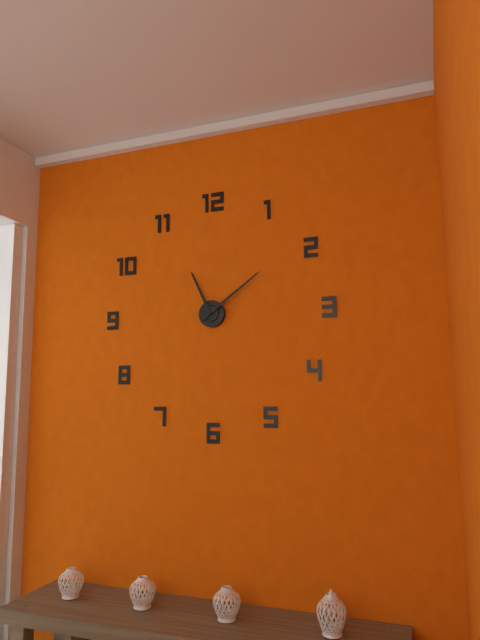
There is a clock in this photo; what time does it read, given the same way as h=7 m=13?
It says h=11 m=9
